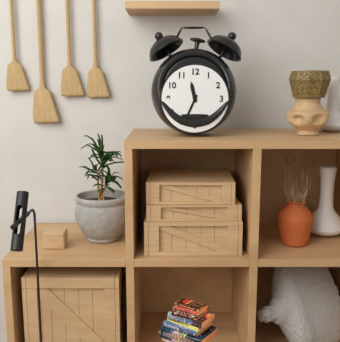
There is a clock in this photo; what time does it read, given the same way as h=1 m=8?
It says h=11 m=34
